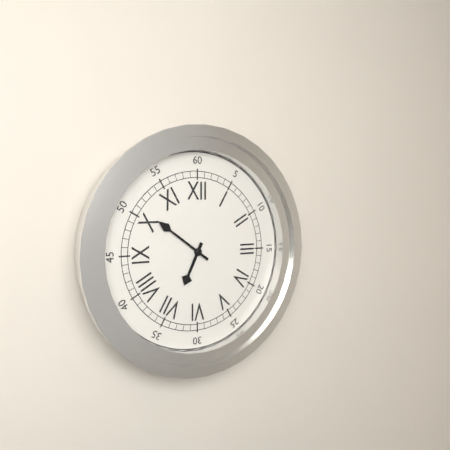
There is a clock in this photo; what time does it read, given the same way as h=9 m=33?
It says h=6 m=51
